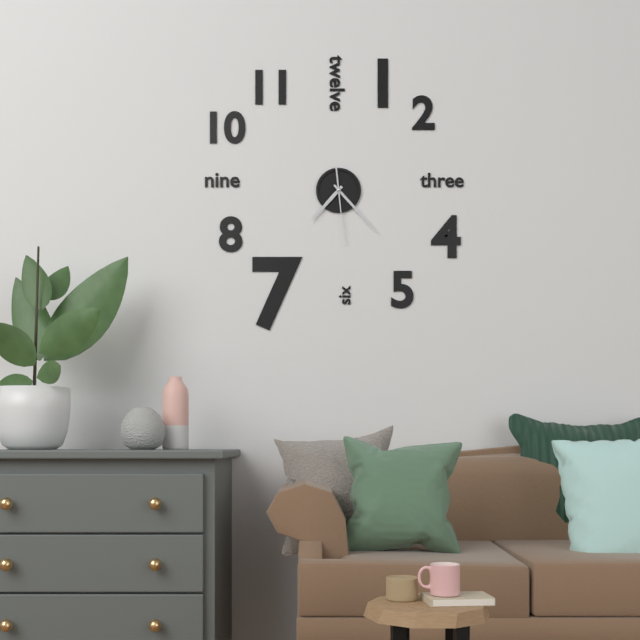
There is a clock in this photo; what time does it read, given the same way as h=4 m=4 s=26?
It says h=7 m=23 s=29
